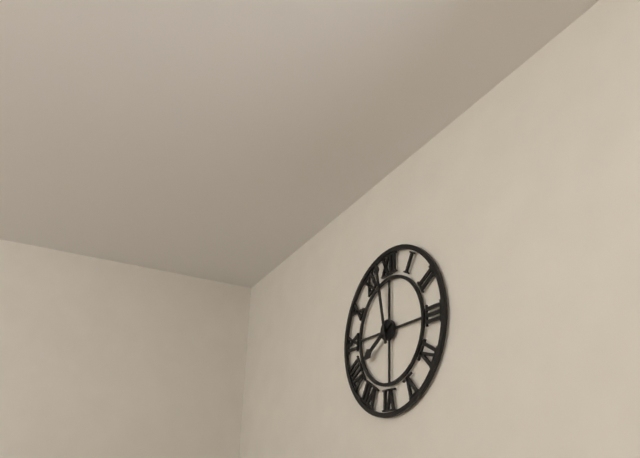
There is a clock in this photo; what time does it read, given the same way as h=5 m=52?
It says h=7 m=58
